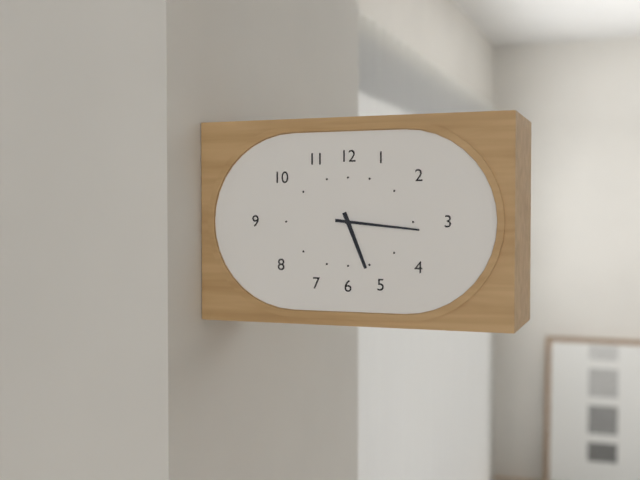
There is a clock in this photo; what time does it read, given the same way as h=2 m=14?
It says h=5 m=16
